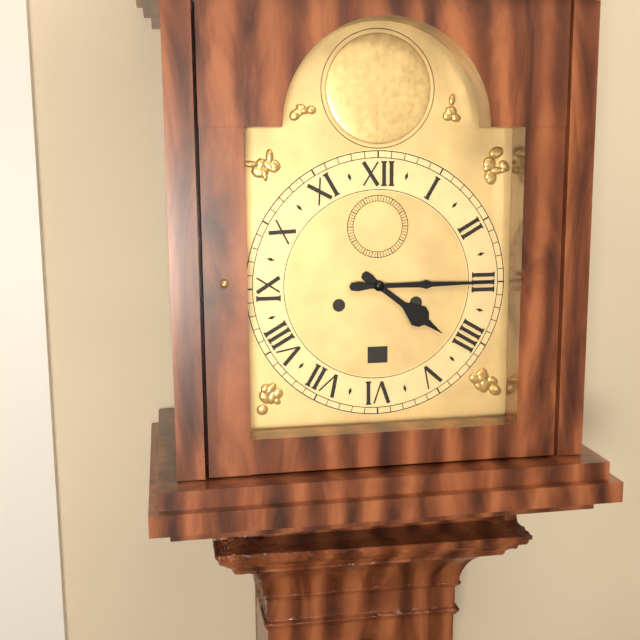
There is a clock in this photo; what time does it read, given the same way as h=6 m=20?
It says h=4 m=15
